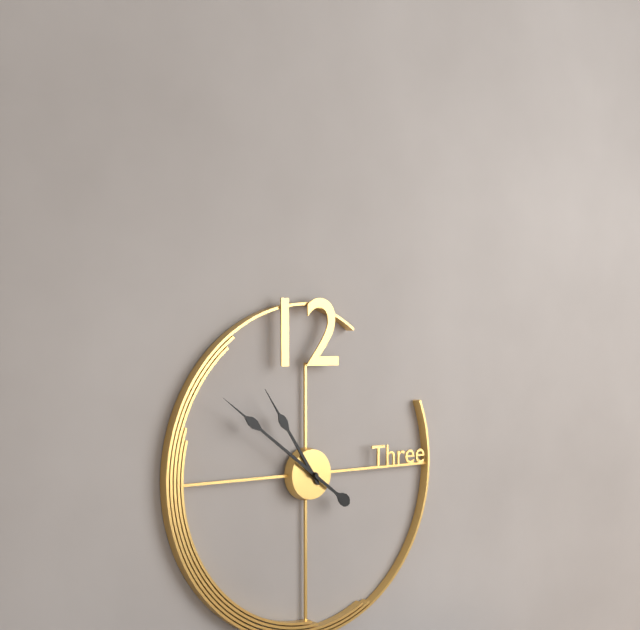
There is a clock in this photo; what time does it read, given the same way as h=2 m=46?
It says h=10 m=51
